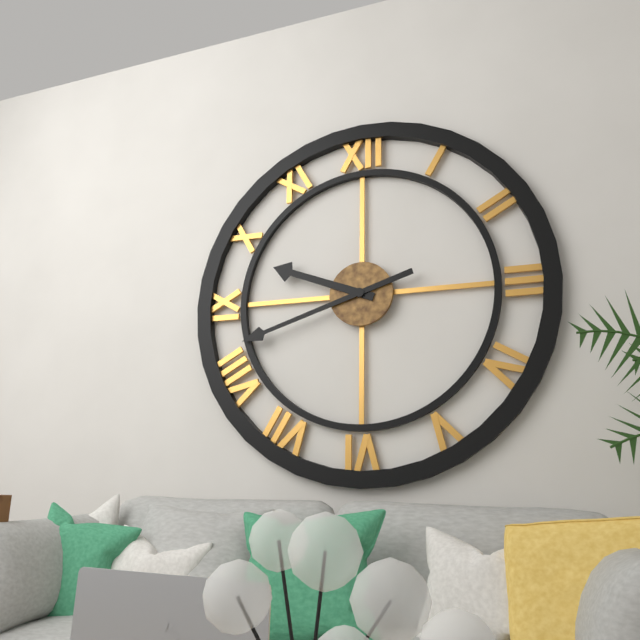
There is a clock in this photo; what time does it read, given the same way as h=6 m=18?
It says h=9 m=42
